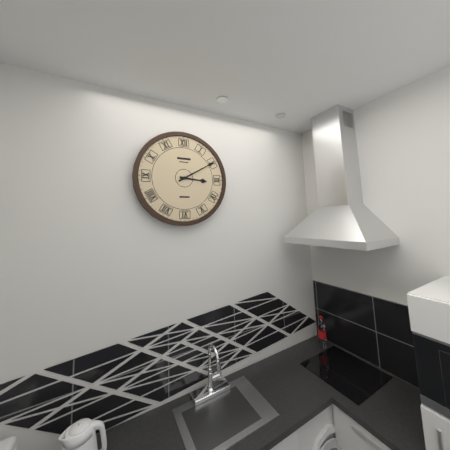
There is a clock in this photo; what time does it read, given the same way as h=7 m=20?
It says h=3 m=10
